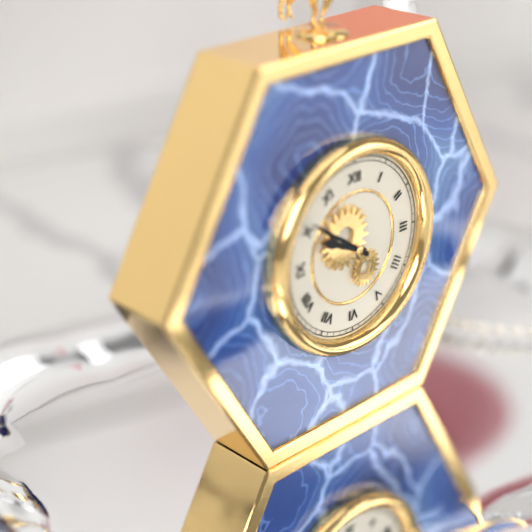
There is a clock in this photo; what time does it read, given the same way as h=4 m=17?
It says h=9 m=51
